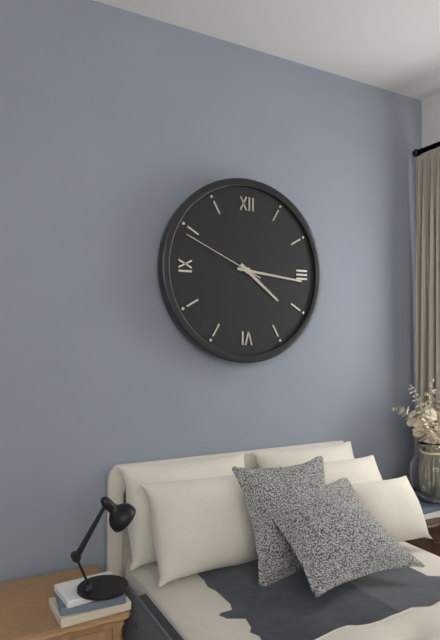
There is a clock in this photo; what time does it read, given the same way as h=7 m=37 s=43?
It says h=4 m=16 s=49
